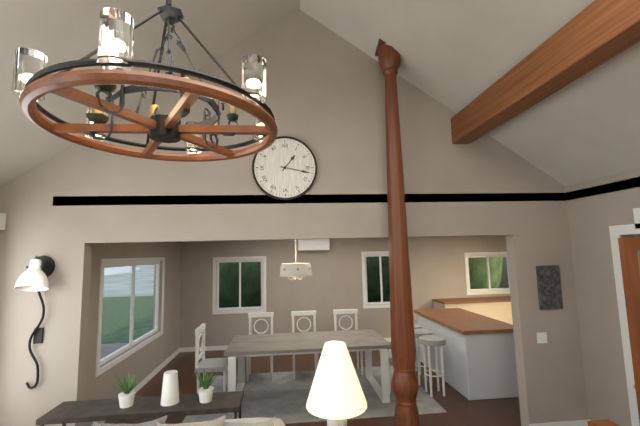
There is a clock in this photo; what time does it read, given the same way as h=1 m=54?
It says h=1 m=17
